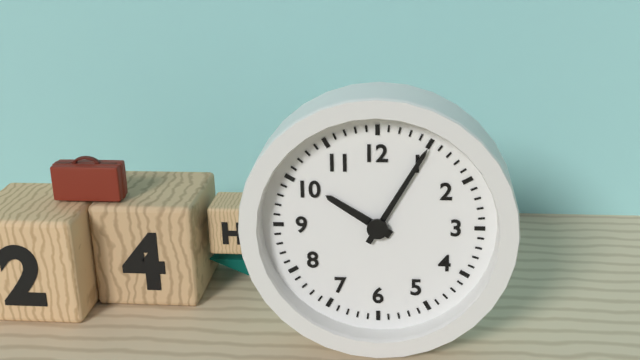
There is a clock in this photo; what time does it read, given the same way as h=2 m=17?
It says h=10 m=5
